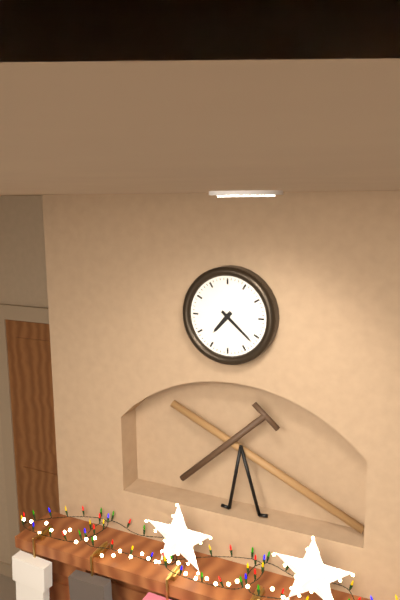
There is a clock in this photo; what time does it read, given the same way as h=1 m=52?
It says h=7 m=22
